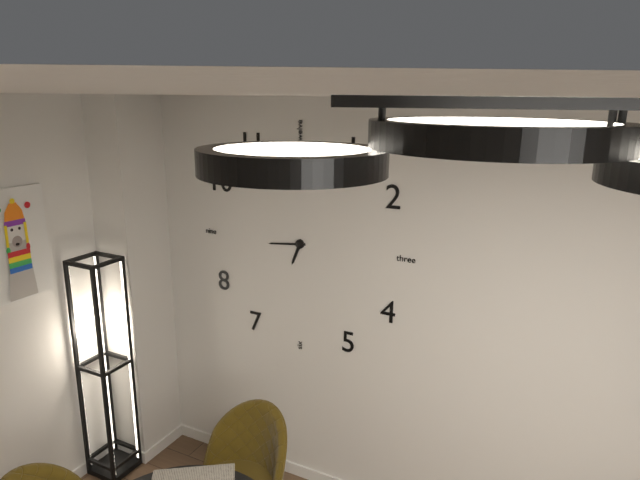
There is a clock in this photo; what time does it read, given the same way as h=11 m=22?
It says h=6 m=44
